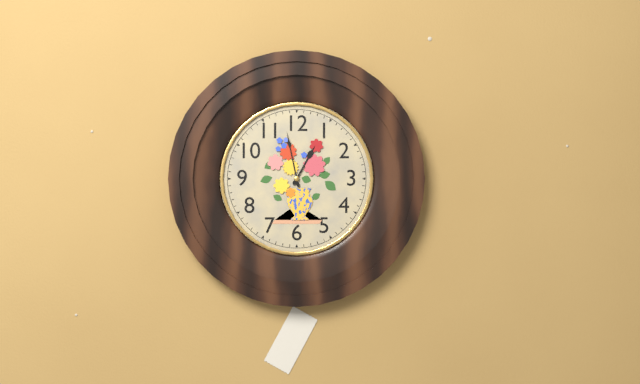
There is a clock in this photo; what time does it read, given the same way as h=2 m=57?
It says h=12 m=58
